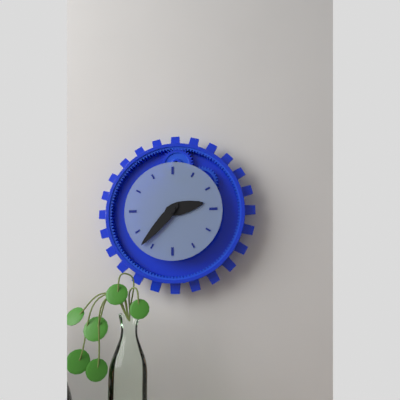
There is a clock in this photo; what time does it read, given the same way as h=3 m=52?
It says h=2 m=37
